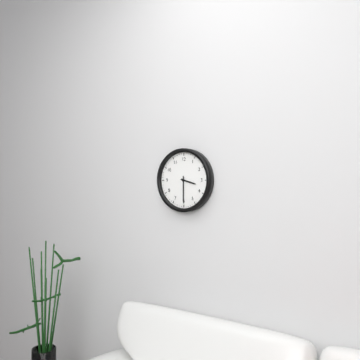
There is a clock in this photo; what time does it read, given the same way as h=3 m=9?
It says h=3 m=30
